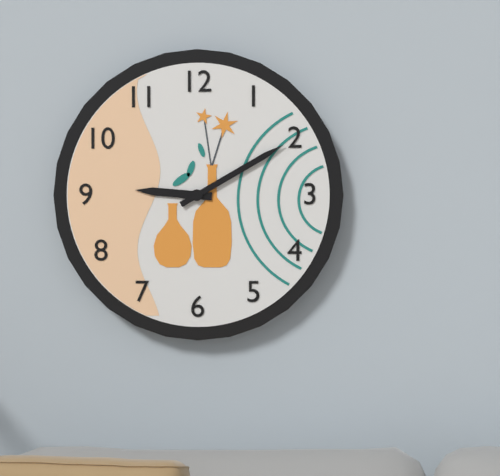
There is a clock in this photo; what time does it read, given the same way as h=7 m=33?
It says h=9 m=10
